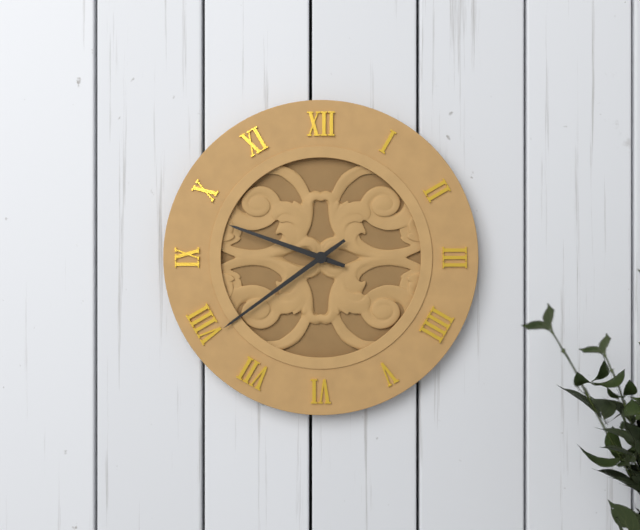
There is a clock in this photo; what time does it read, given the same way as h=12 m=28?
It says h=9 m=39
